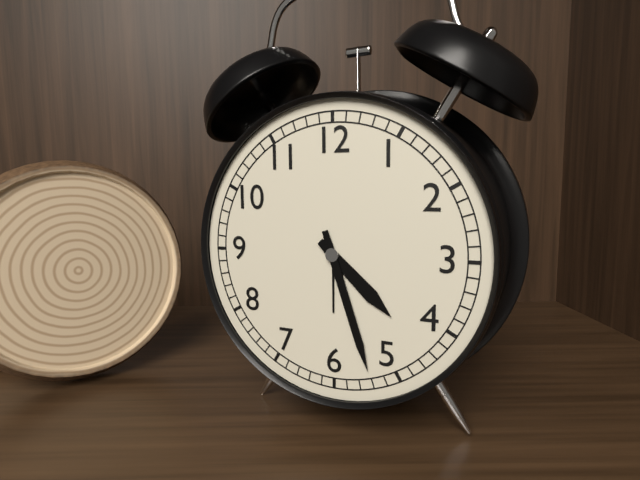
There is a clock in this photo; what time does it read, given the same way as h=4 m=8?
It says h=4 m=27
